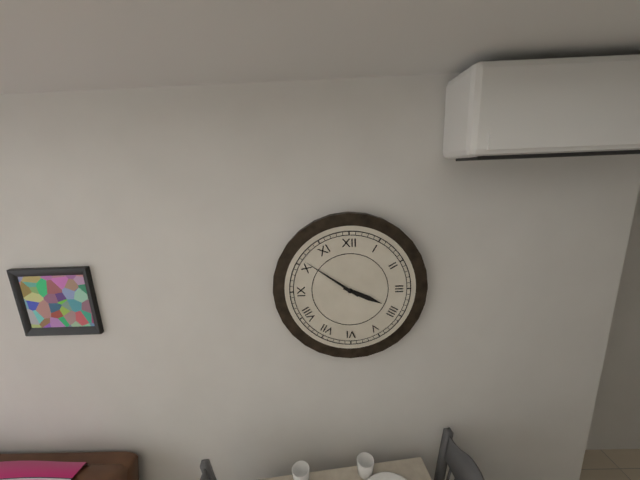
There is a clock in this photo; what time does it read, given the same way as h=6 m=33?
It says h=3 m=51
